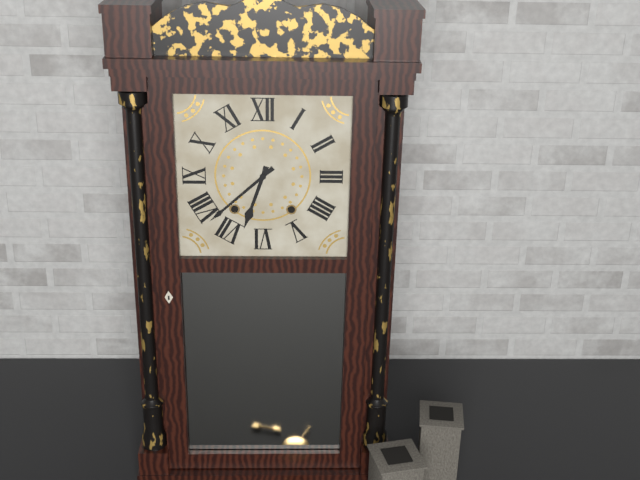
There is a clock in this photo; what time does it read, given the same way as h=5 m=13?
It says h=6 m=38
